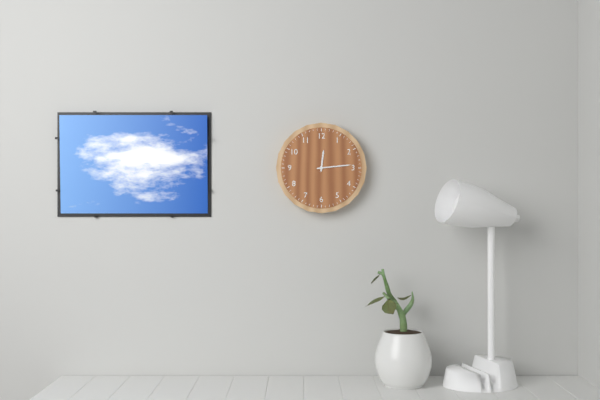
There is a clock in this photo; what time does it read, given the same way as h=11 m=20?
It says h=12 m=14
